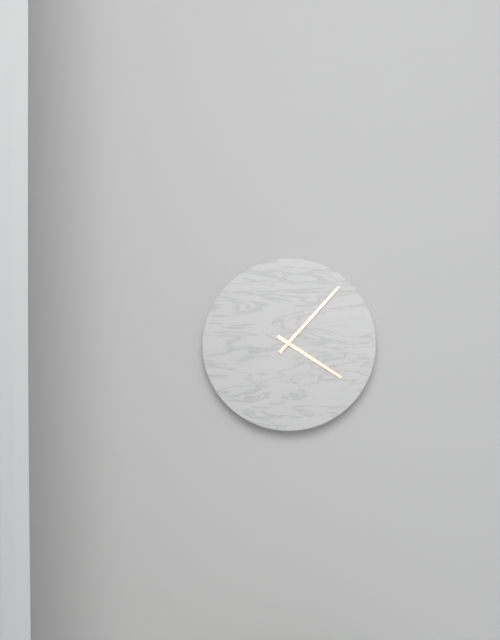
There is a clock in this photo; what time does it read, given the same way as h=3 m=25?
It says h=4 m=7
